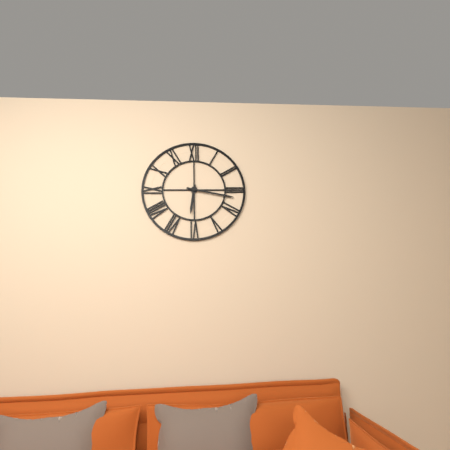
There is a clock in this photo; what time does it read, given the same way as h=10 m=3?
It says h=6 m=17
